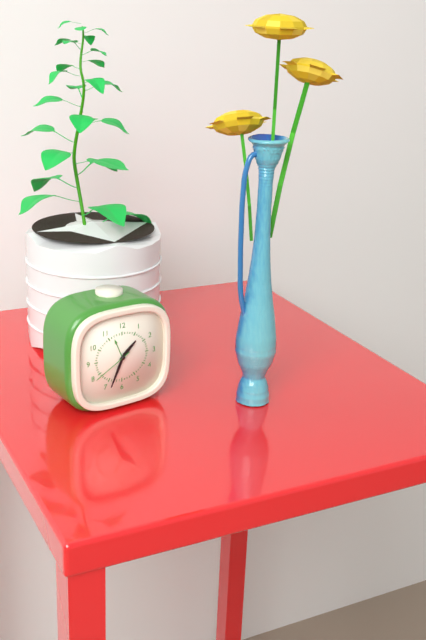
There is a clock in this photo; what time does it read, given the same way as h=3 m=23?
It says h=1 m=34
